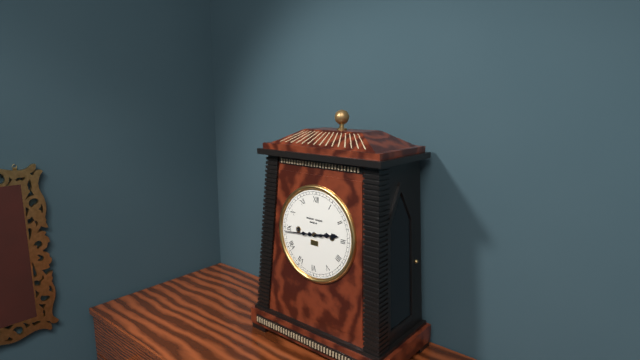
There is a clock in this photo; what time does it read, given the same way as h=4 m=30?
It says h=2 m=44
